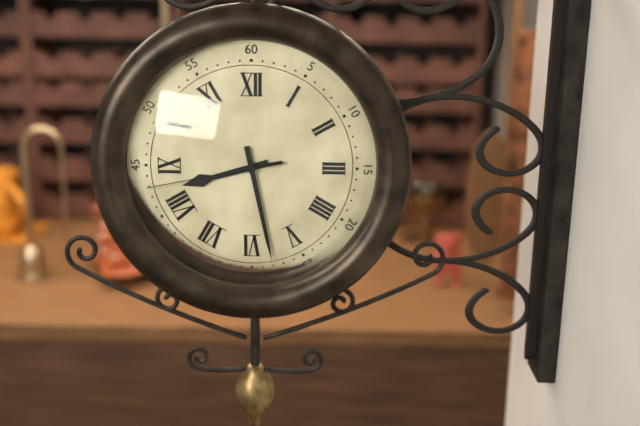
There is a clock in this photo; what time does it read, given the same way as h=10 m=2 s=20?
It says h=8 m=28 s=43
